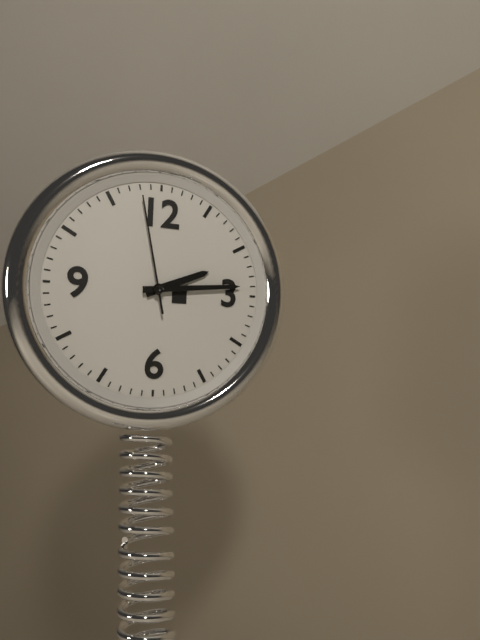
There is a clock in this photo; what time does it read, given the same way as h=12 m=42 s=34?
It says h=2 m=14 s=58
